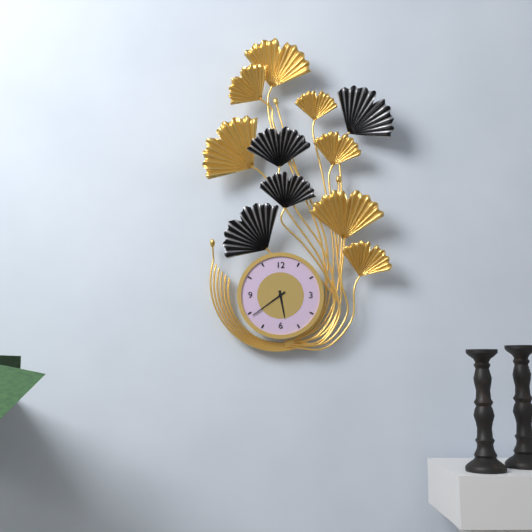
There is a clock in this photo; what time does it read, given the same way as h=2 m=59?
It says h=5 m=39
